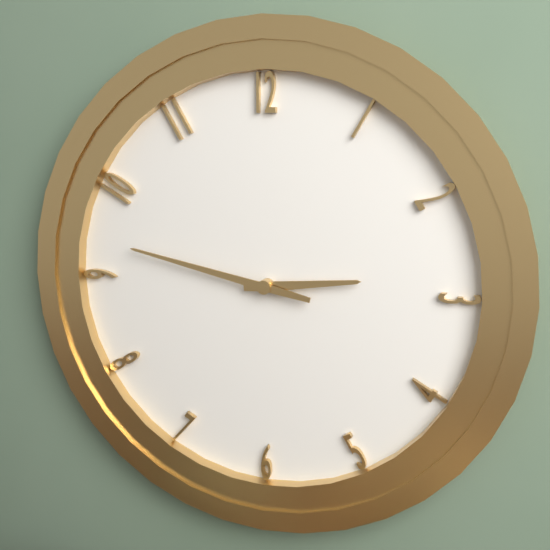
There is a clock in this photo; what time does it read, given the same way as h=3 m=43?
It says h=2 m=47
